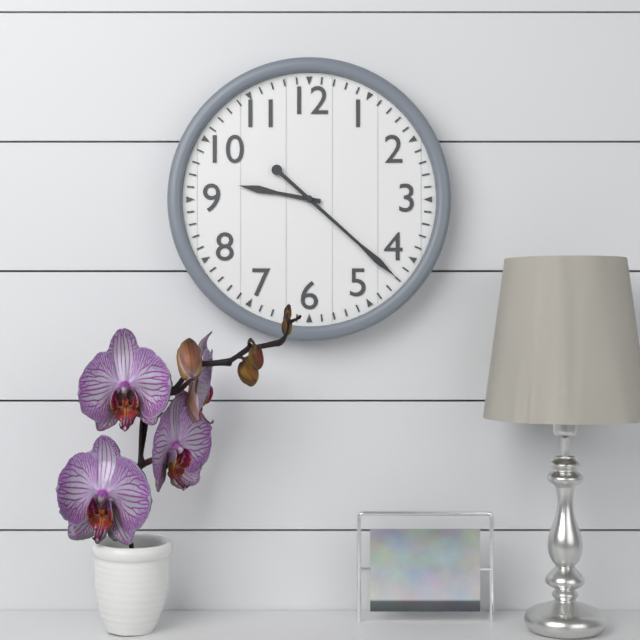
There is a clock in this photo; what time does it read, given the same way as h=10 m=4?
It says h=9 m=22
